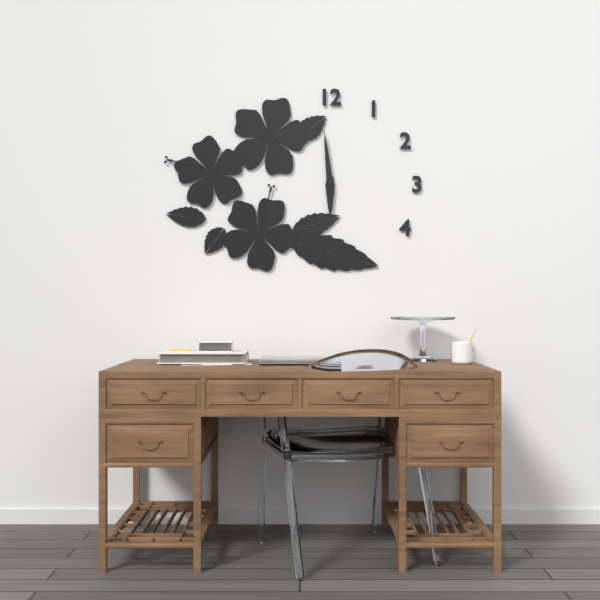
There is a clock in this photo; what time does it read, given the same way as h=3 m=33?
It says h=5 m=59
